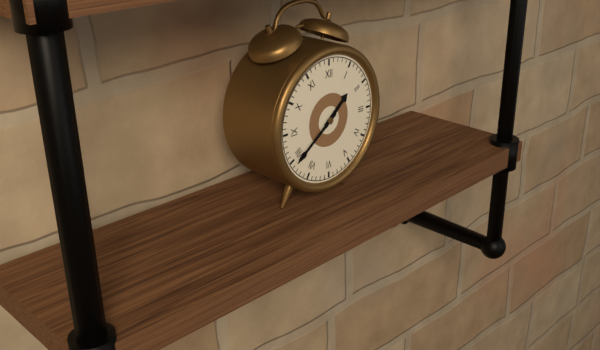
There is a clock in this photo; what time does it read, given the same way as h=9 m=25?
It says h=1 m=39
